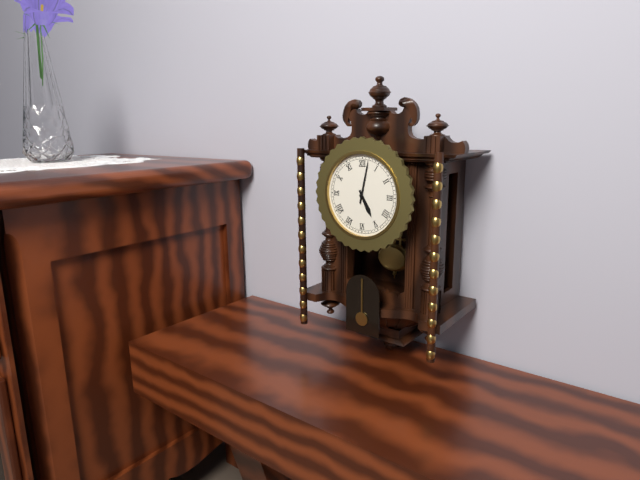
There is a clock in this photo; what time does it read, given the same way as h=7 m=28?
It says h=5 m=2
